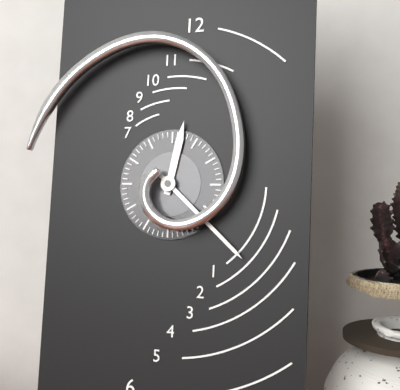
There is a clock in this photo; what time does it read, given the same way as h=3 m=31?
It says h=12 m=22
